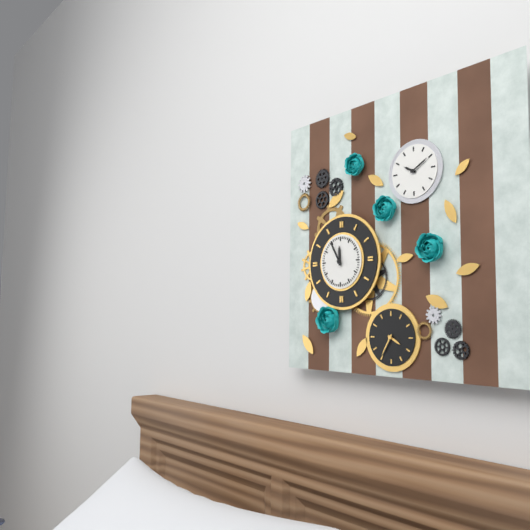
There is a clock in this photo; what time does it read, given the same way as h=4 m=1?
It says h=11 m=55
